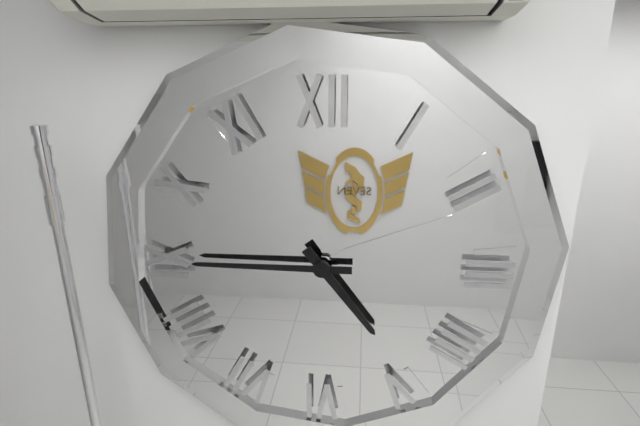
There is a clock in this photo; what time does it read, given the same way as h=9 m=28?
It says h=4 m=45
